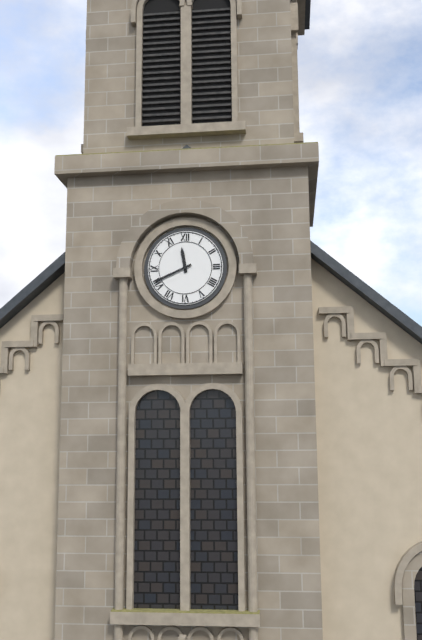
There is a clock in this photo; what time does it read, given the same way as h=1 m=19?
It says h=11 m=41
